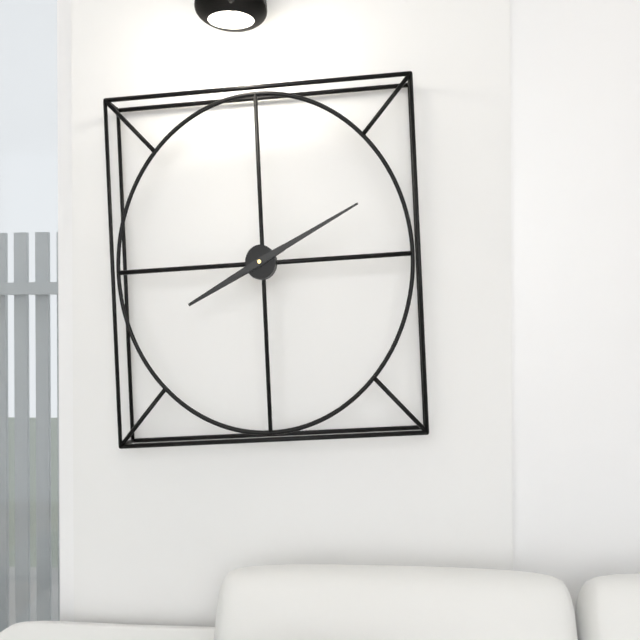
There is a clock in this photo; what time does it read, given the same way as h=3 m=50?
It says h=8 m=11
